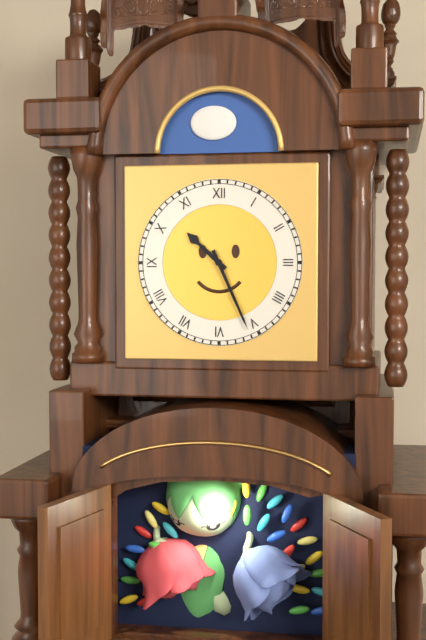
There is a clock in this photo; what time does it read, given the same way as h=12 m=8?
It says h=10 m=26
